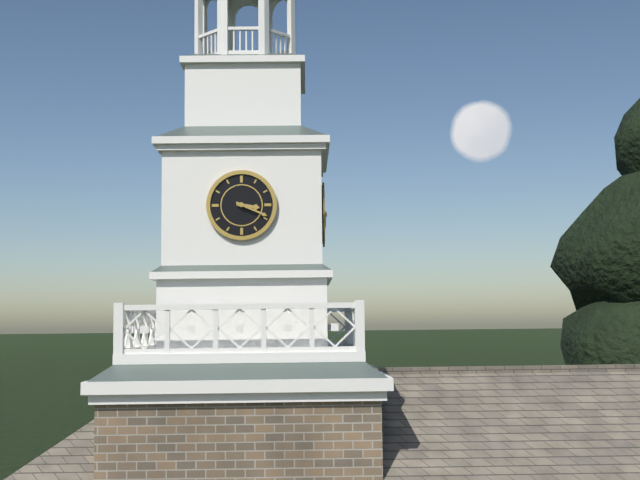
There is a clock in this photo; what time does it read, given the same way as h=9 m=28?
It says h=3 m=19
